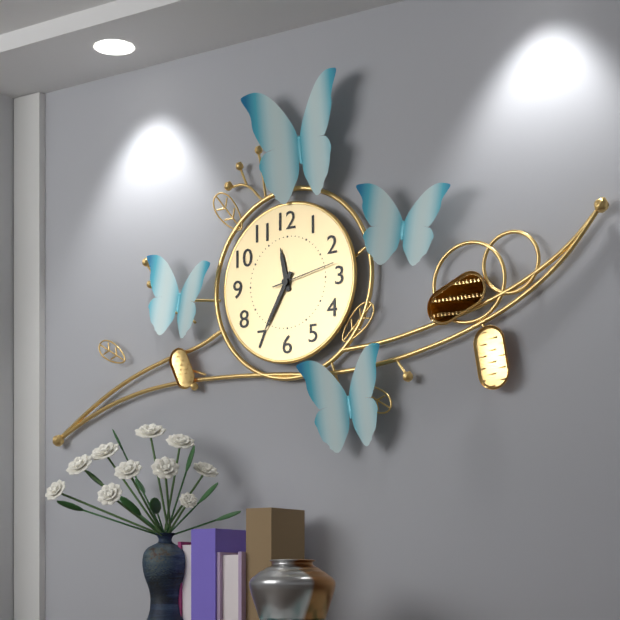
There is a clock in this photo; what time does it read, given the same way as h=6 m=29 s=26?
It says h=11 m=35 s=13
